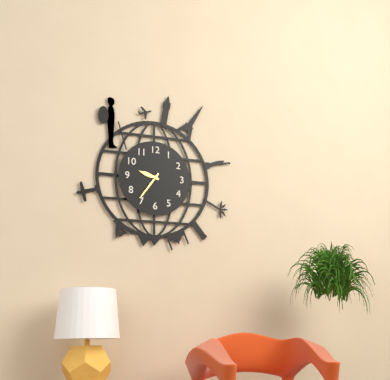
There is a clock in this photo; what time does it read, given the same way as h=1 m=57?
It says h=9 m=36
